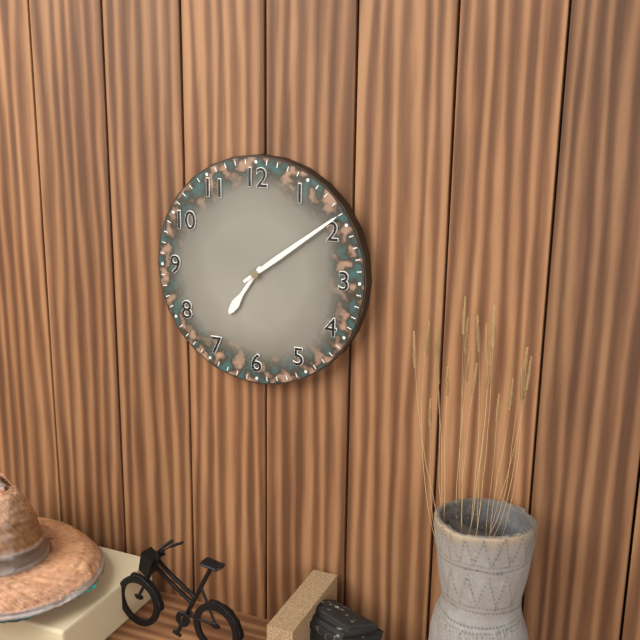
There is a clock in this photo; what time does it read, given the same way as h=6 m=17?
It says h=7 m=9
